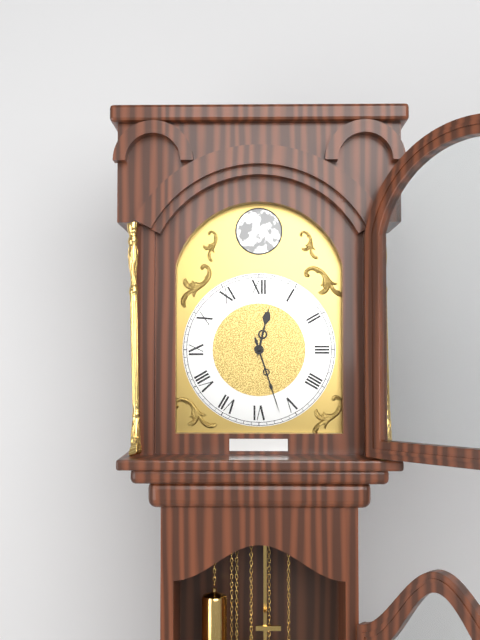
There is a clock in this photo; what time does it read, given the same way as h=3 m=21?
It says h=12 m=27
